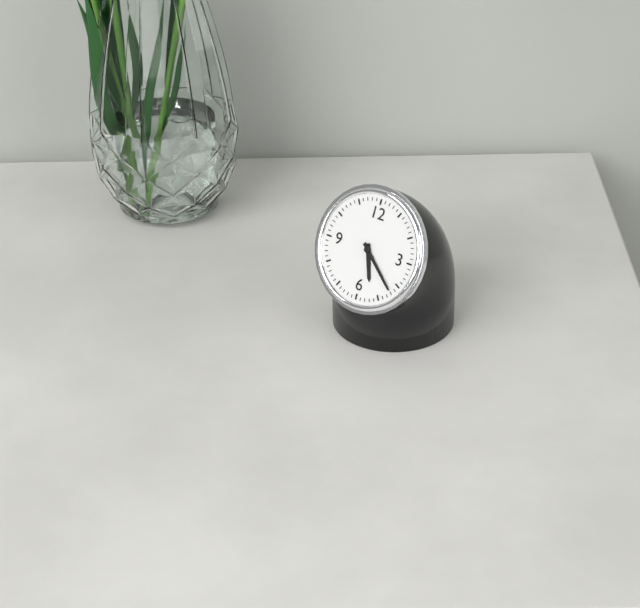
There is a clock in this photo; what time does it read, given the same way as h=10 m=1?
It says h=5 m=22
